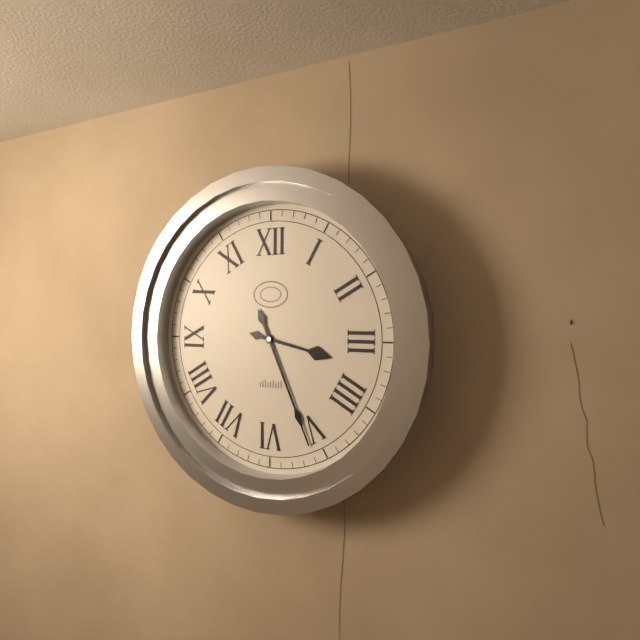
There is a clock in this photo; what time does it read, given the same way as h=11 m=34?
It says h=3 m=26
